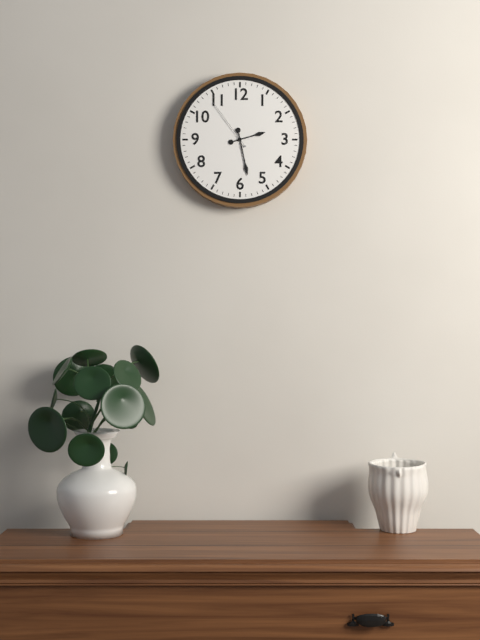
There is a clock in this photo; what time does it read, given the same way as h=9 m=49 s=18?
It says h=2 m=28 s=54
